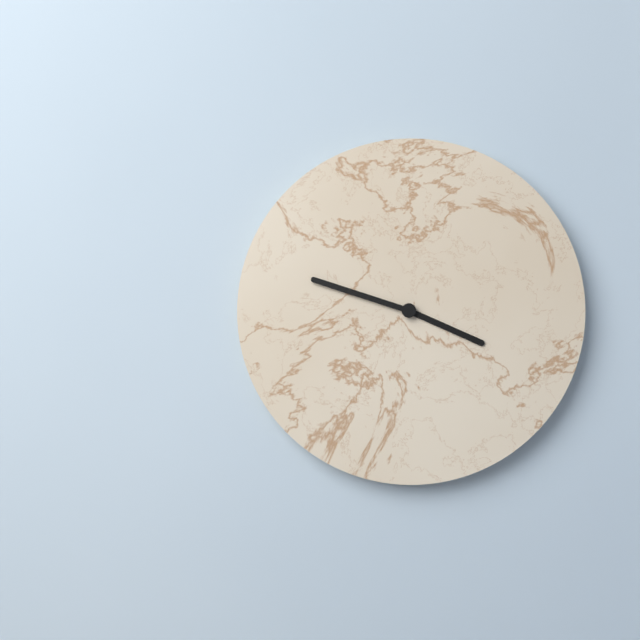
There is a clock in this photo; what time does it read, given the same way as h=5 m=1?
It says h=3 m=48
